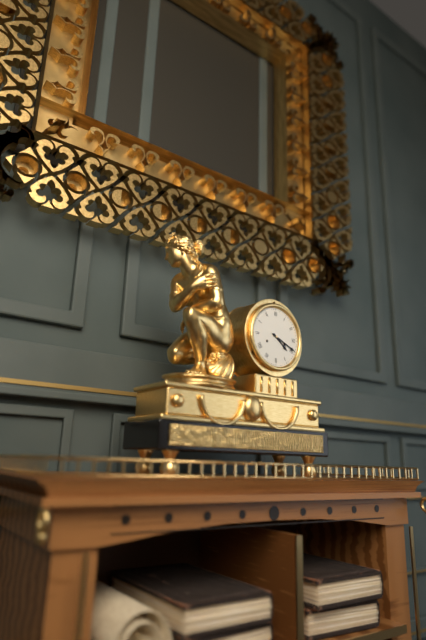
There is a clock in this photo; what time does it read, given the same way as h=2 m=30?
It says h=4 m=19
